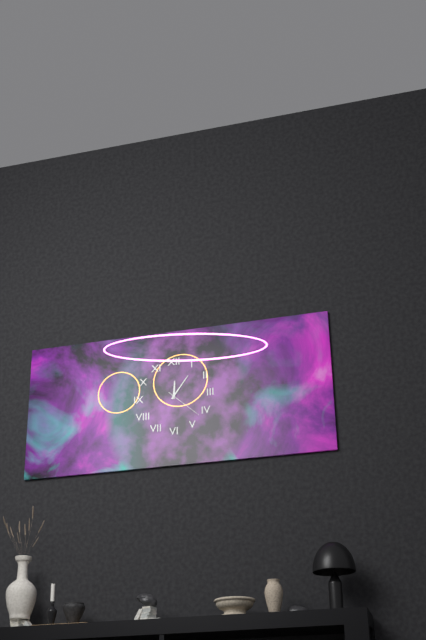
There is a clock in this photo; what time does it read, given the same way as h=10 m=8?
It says h=12 m=6
